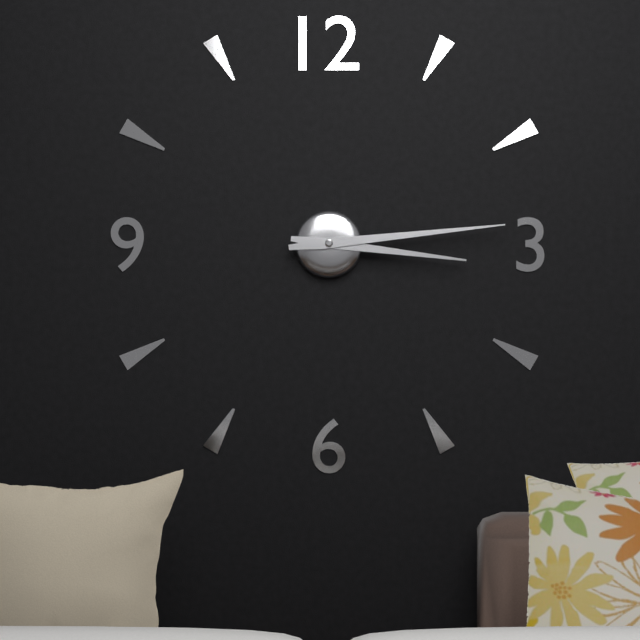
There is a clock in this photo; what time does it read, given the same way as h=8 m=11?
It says h=3 m=14
